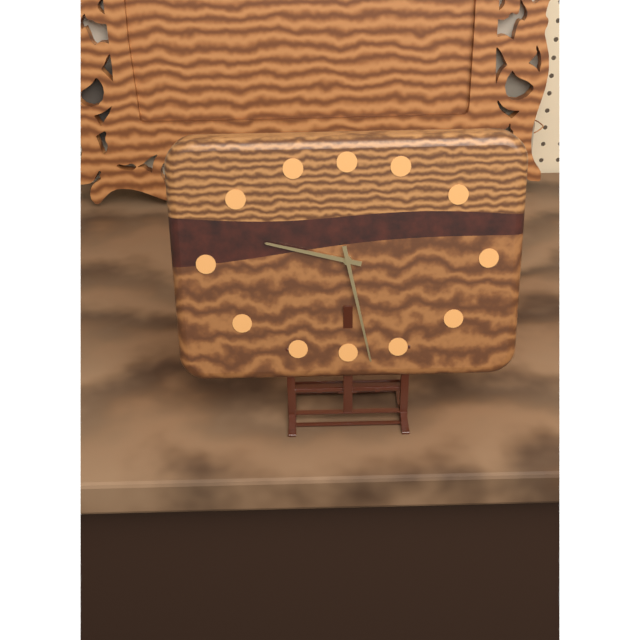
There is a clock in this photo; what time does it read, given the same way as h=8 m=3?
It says h=9 m=28
